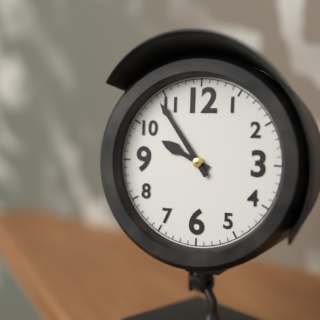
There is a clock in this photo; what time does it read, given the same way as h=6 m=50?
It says h=9 m=54
